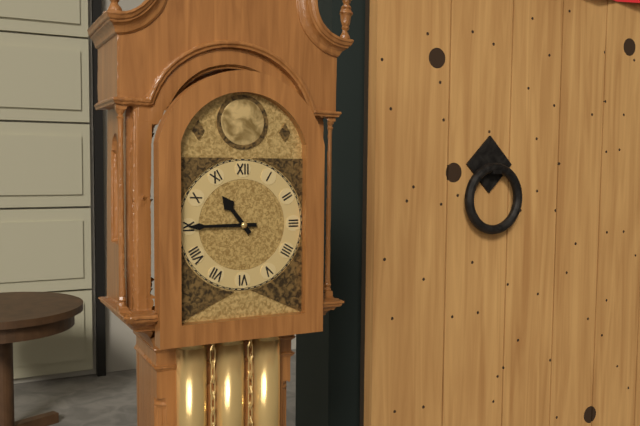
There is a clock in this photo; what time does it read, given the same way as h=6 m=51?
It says h=10 m=45
